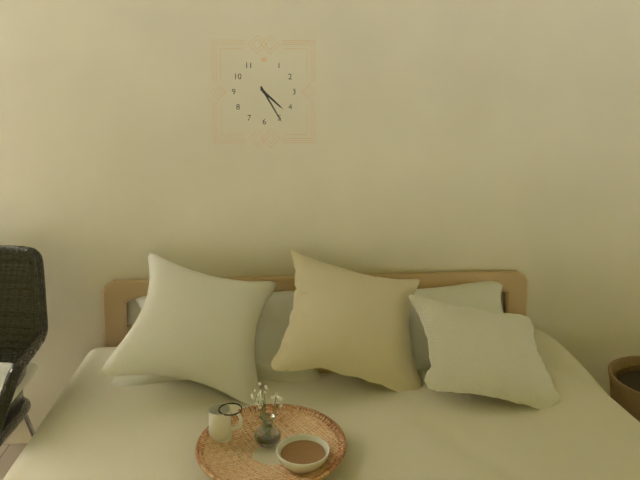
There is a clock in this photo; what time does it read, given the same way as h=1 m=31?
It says h=4 m=25
